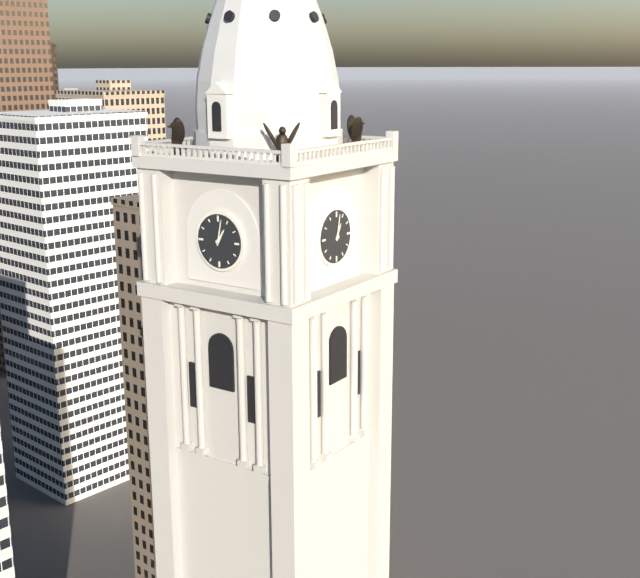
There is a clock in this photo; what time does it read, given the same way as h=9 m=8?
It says h=1 m=2
